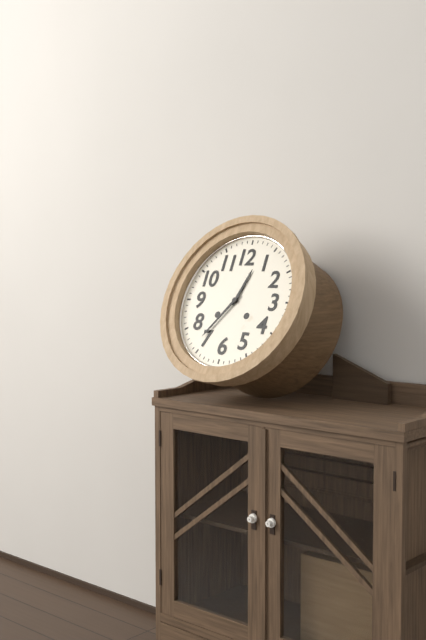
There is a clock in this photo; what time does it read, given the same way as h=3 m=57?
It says h=12 m=36
